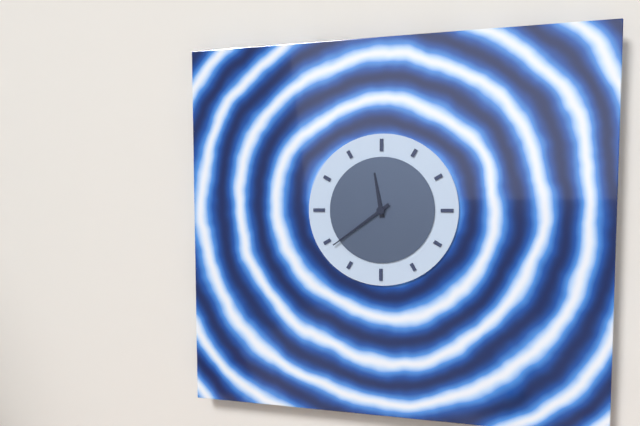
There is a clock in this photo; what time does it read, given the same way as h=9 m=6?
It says h=11 m=39
